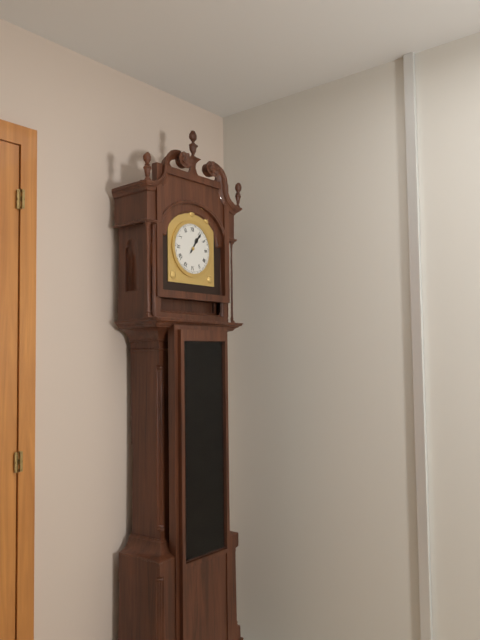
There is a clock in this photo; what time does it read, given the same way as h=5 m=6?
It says h=1 m=6
